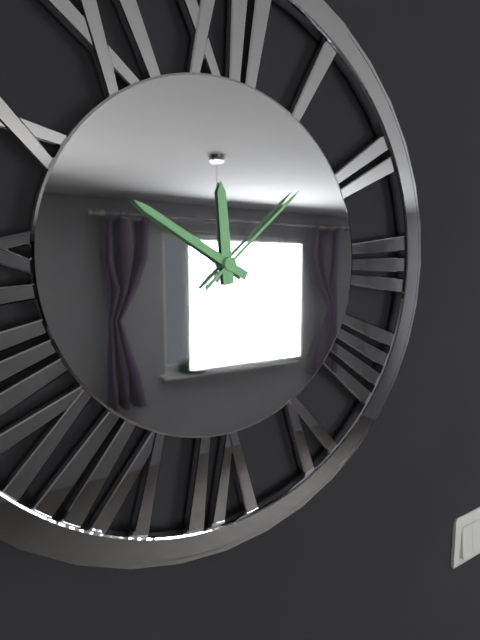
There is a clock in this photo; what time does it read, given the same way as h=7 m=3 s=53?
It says h=11 m=50 s=8
